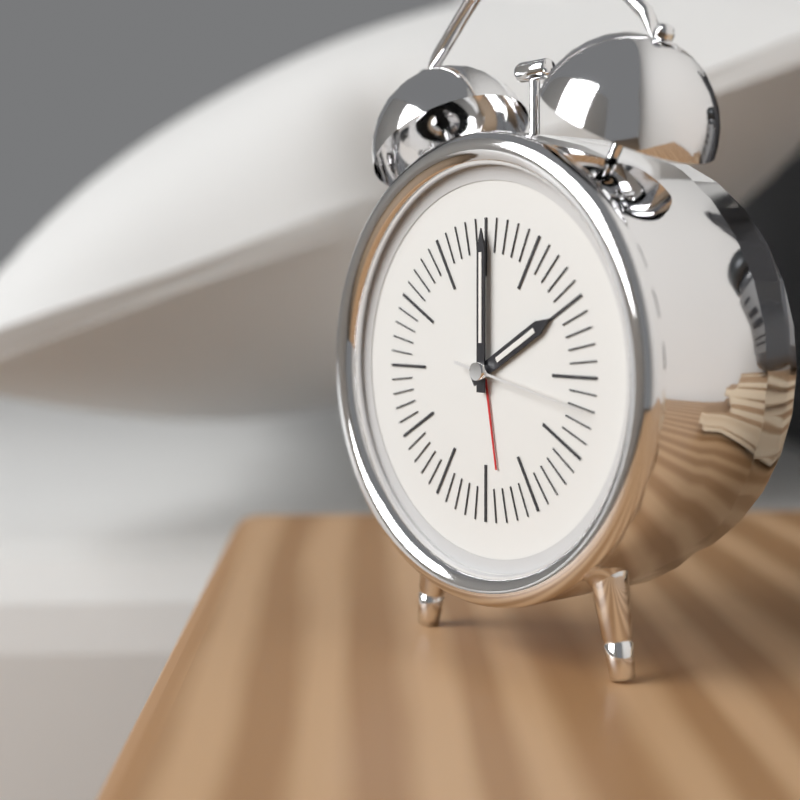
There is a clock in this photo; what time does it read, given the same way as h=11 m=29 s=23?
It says h=2 m=0 s=17
